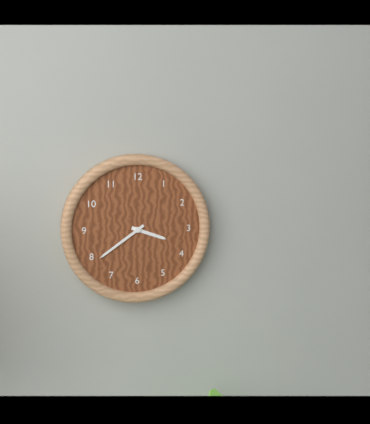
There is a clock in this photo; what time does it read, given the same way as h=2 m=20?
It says h=3 m=39
